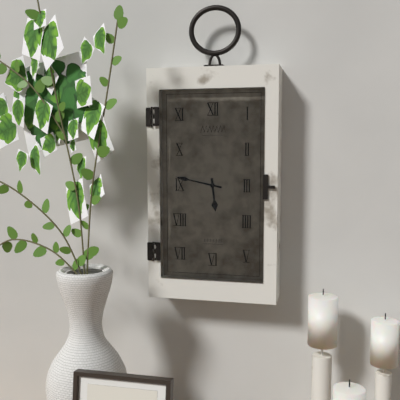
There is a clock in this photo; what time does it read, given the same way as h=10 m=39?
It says h=5 m=47
